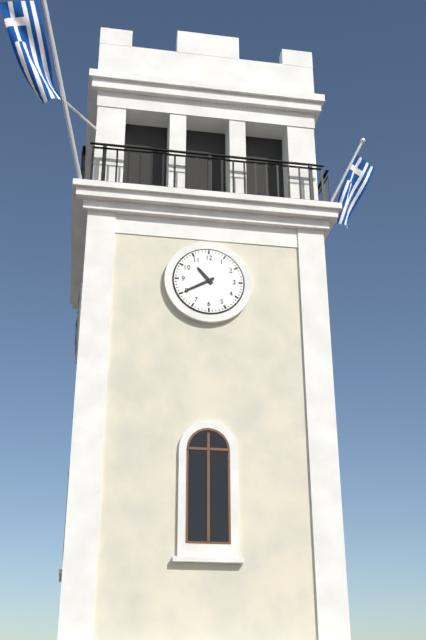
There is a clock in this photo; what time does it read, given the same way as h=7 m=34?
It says h=10 m=40
